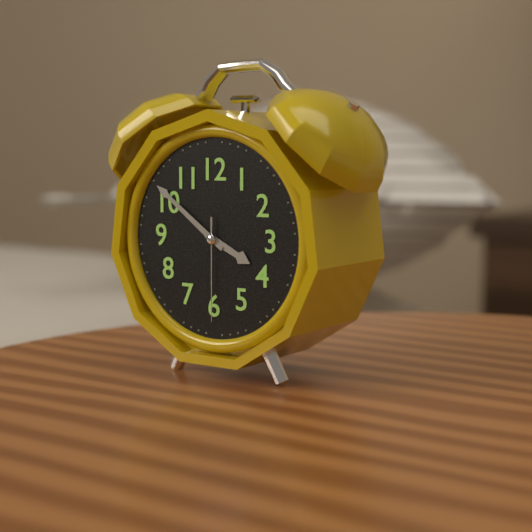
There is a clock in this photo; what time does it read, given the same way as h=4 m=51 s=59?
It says h=3 m=51 s=30
